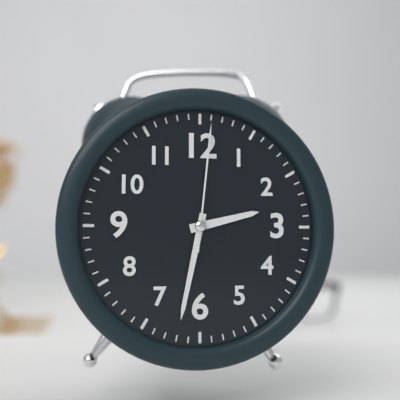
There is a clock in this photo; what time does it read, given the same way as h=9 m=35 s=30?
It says h=2 m=32 s=1
